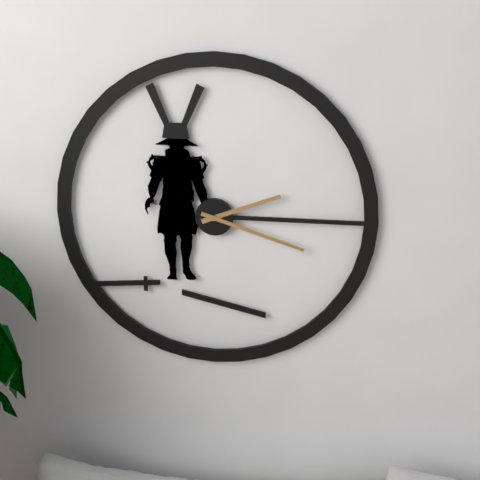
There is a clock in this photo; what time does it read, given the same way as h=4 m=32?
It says h=2 m=18
